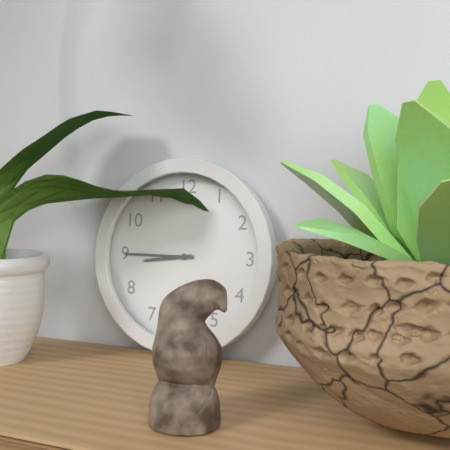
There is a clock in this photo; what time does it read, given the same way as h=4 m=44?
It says h=8 m=45
